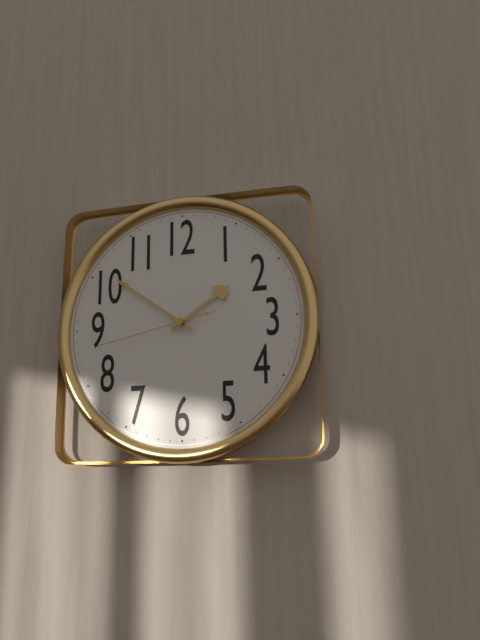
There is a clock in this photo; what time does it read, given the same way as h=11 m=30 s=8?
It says h=1 m=51 s=43
